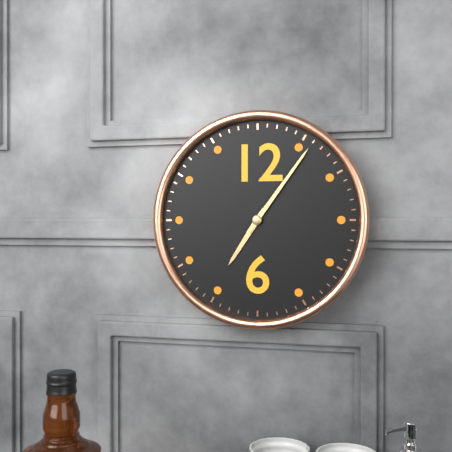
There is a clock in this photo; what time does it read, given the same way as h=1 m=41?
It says h=7 m=6
